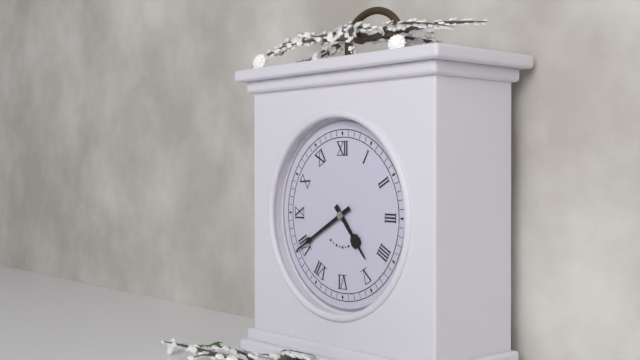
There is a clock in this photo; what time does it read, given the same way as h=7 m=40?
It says h=4 m=40
